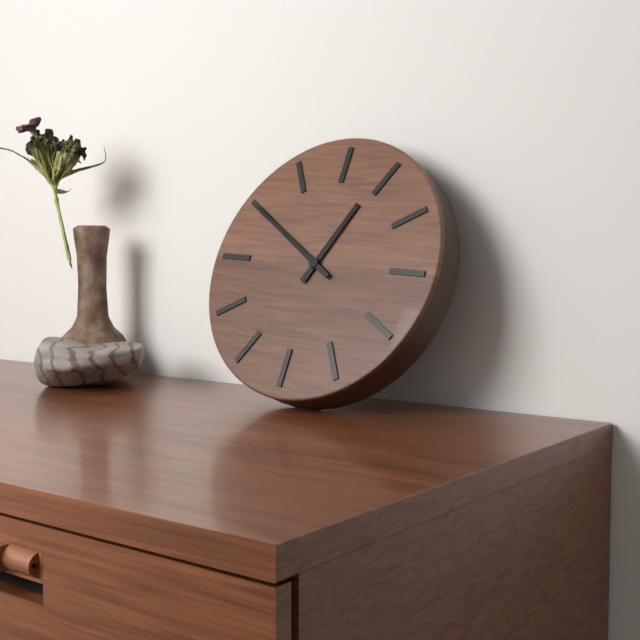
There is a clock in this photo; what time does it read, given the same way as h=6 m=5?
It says h=12 m=50
